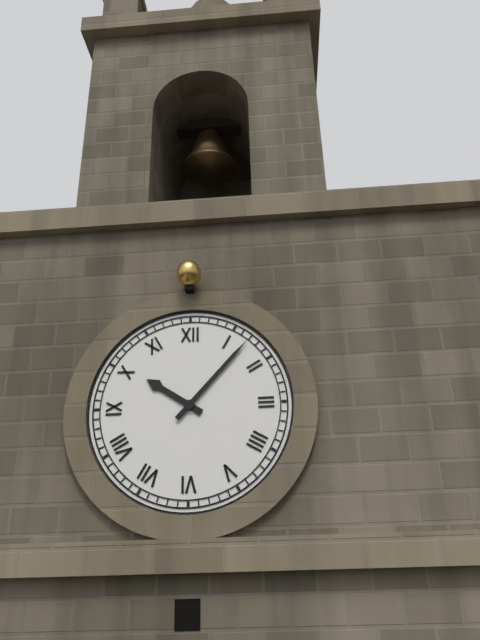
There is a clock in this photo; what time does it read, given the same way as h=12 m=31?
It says h=10 m=7
